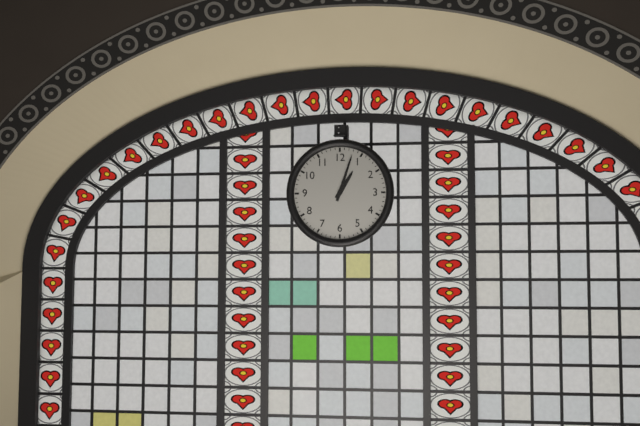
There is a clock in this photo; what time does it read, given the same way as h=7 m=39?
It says h=1 m=3
